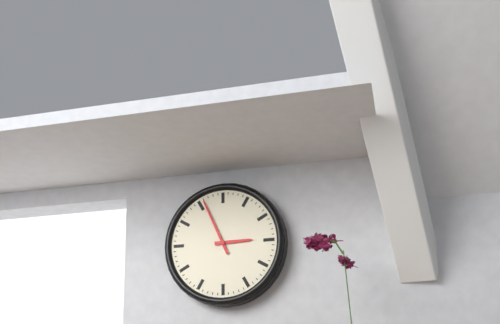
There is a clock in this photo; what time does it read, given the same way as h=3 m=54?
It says h=2 m=56
